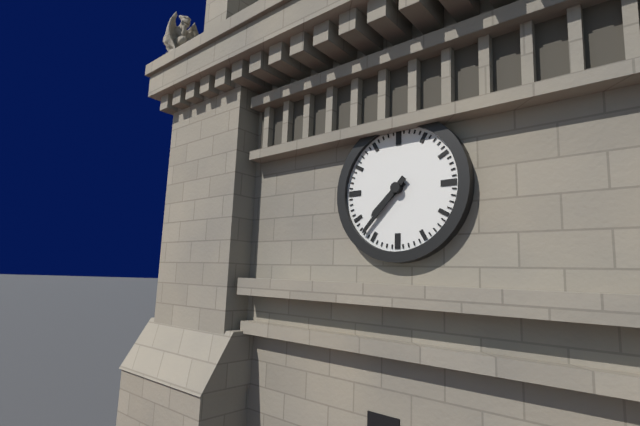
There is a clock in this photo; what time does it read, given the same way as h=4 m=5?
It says h=7 m=37
